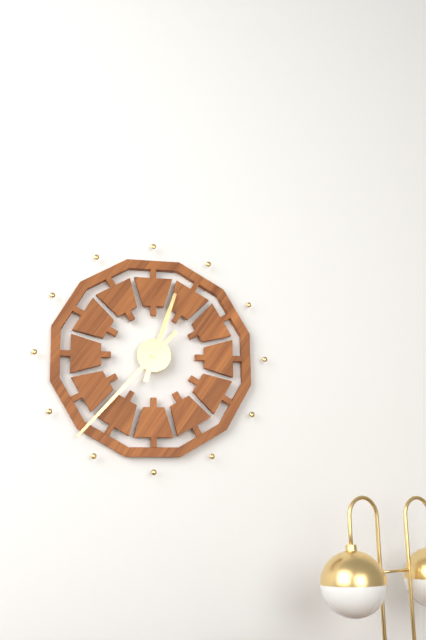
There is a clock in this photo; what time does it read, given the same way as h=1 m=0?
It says h=12 m=37
